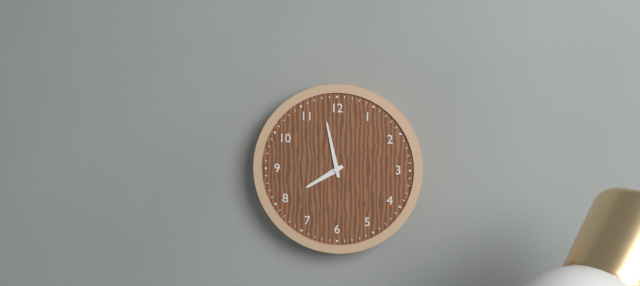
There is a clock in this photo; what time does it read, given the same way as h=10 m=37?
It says h=7 m=58
